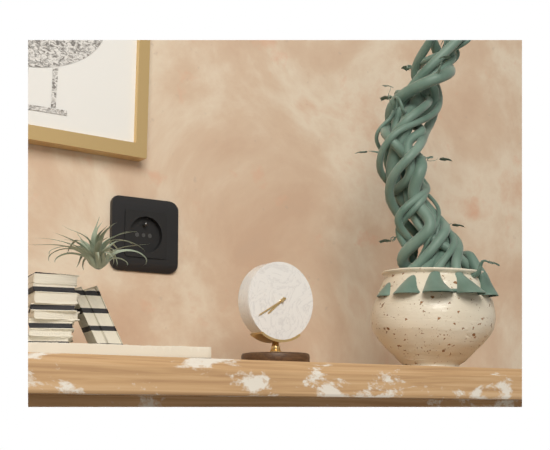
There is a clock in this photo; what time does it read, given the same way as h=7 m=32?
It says h=7 m=40
